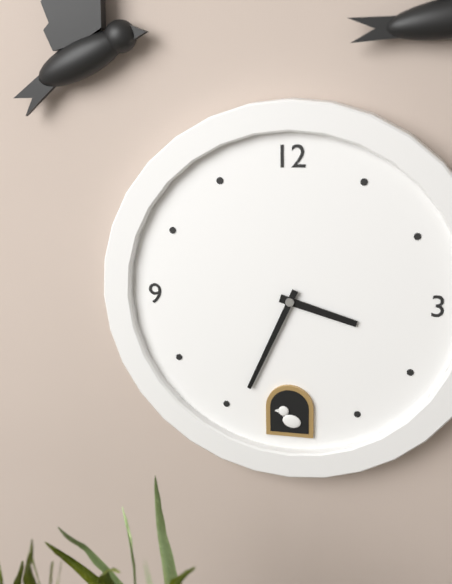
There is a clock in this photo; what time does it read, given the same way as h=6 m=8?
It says h=3 m=34
